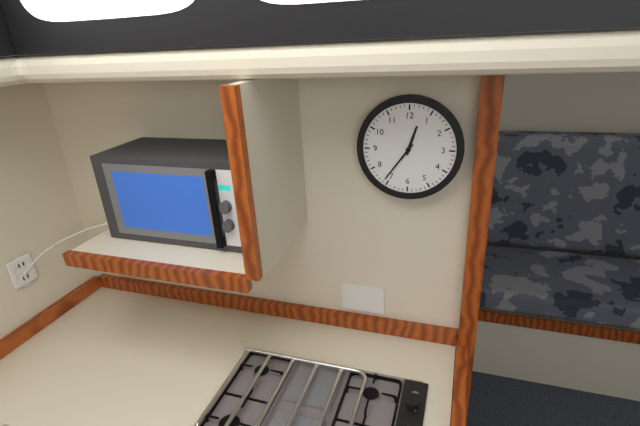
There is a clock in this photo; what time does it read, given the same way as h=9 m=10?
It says h=12 m=36
